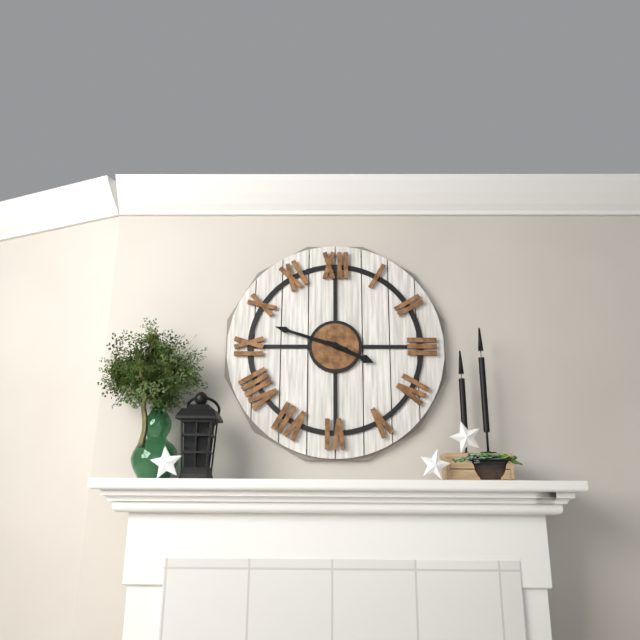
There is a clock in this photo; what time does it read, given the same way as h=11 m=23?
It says h=3 m=48
